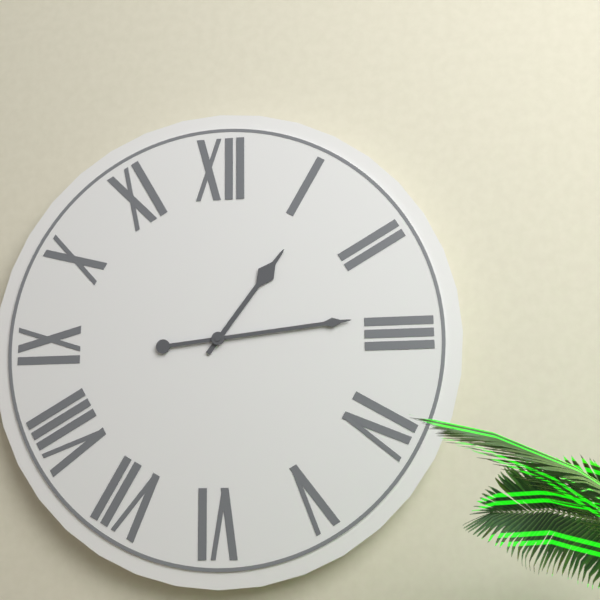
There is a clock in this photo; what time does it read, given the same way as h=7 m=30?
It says h=1 m=14
